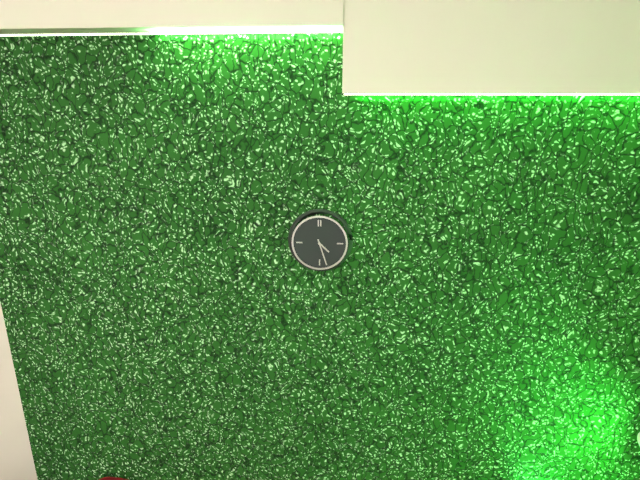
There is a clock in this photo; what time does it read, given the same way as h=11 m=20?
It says h=4 m=27
